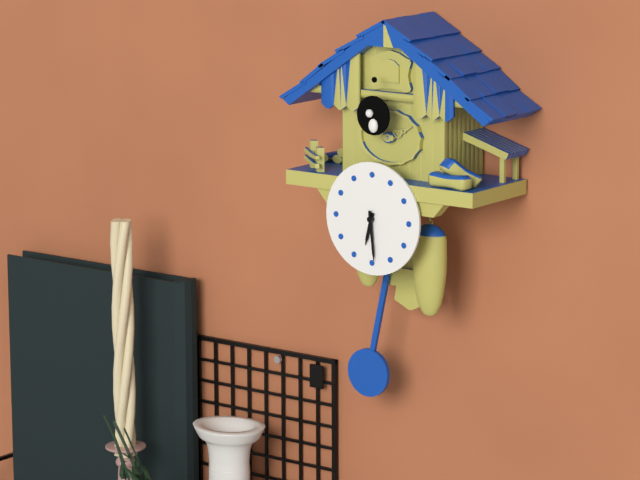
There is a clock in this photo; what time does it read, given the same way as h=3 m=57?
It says h=6 m=29
